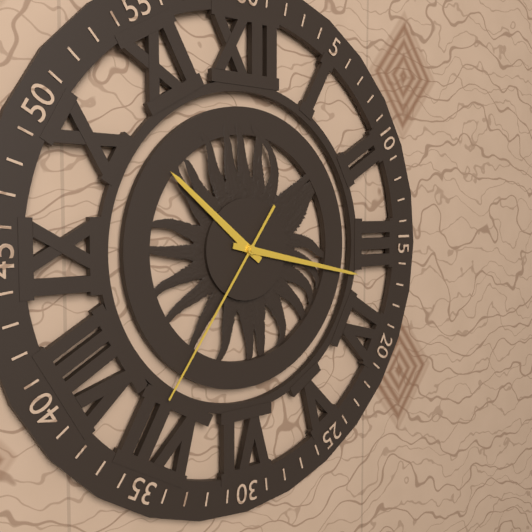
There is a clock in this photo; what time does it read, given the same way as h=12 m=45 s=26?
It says h=10 m=17 s=36
